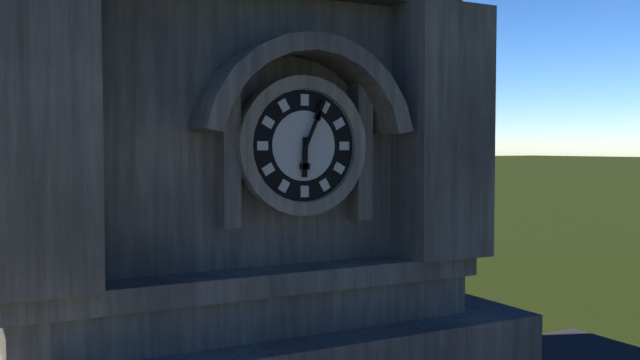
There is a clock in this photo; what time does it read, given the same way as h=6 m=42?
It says h=6 m=4
